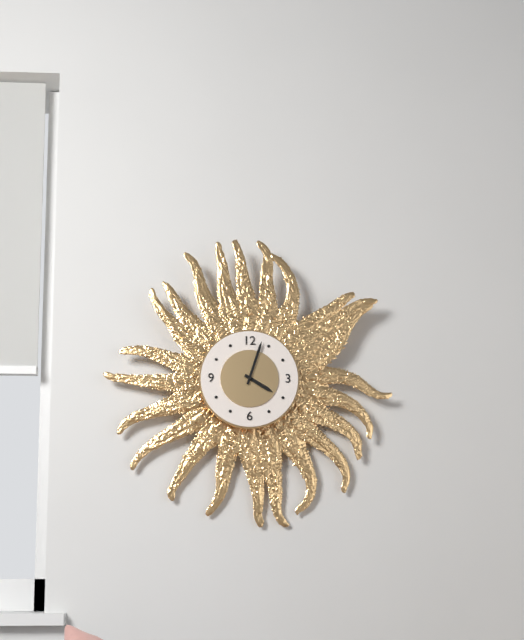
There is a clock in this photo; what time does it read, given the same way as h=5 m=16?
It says h=4 m=3
